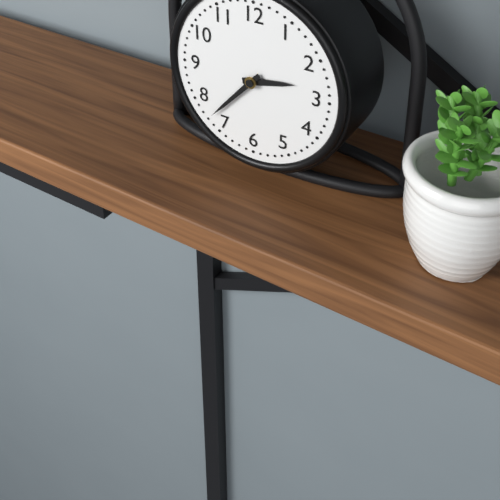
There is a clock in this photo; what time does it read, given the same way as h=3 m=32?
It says h=2 m=37
